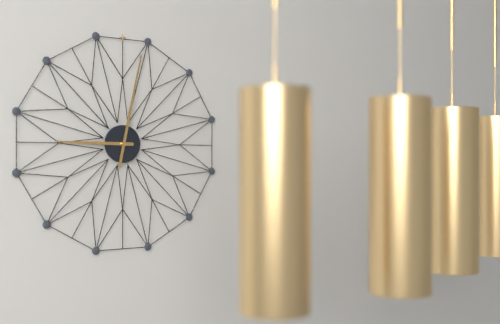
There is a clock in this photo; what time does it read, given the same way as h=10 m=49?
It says h=9 m=2
